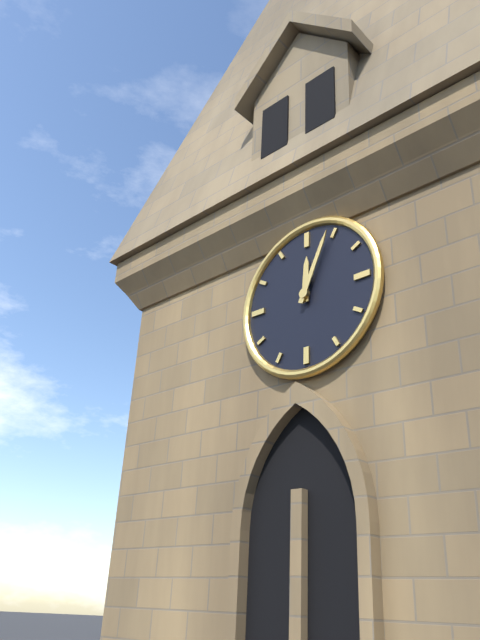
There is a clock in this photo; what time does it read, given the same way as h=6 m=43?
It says h=12 m=4
